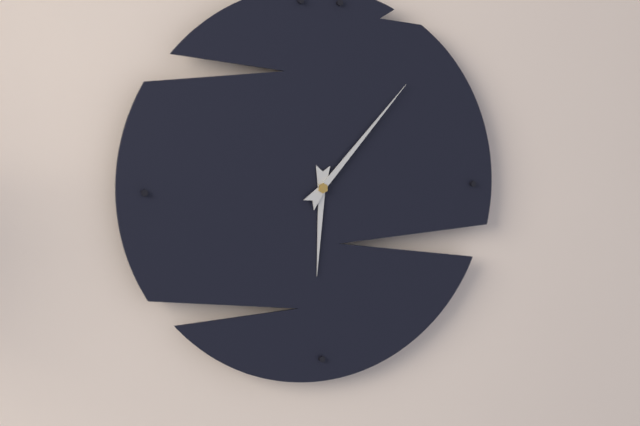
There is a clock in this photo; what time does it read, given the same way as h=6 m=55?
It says h=6 m=7
